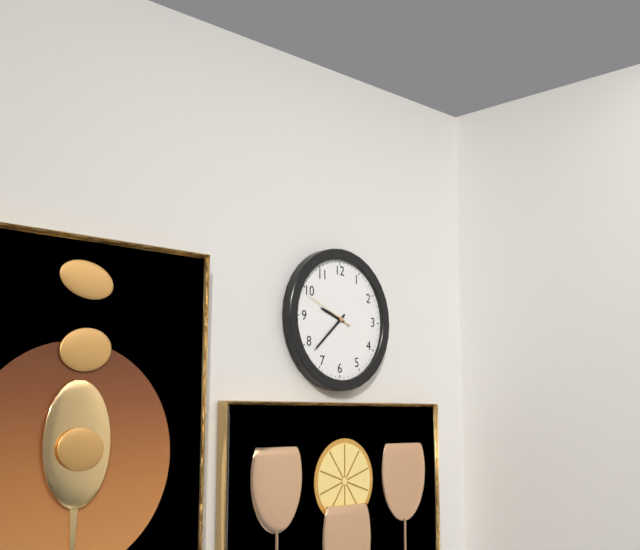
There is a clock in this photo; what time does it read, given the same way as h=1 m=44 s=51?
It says h=9 m=38 s=49
